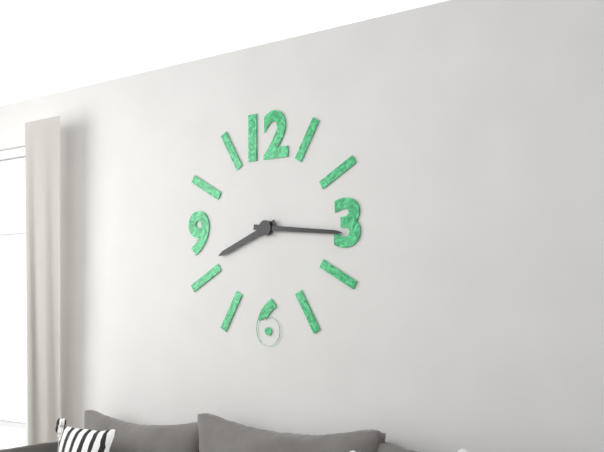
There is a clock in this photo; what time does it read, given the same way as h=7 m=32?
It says h=8 m=16
